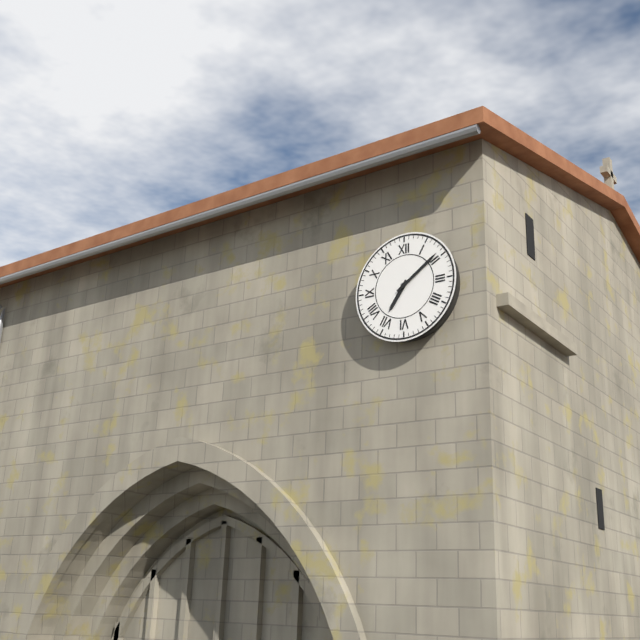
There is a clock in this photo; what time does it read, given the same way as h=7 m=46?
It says h=7 m=9
